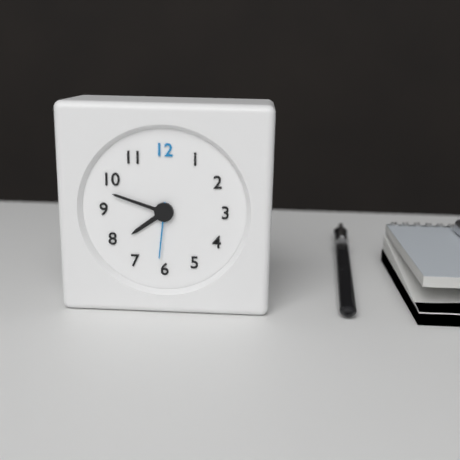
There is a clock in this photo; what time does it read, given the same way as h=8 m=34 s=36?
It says h=7 m=48 s=31
